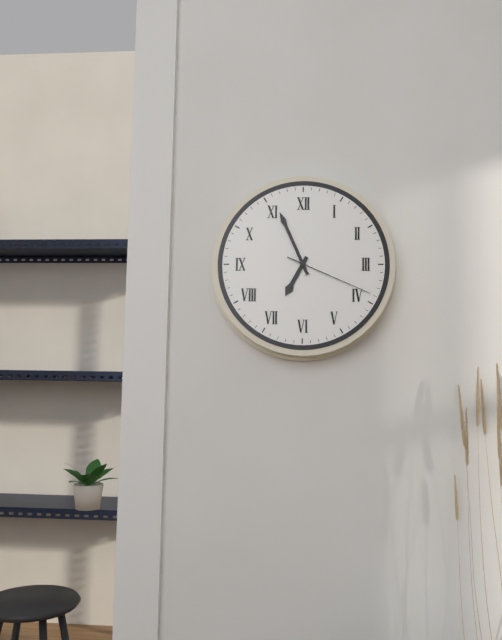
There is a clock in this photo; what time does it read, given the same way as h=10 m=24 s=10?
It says h=6 m=56 s=19
